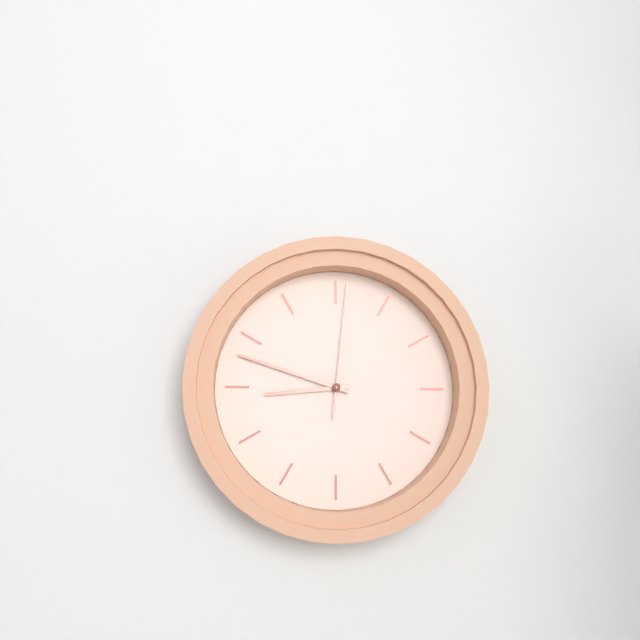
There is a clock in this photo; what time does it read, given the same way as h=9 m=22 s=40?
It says h=8 m=48 s=1
